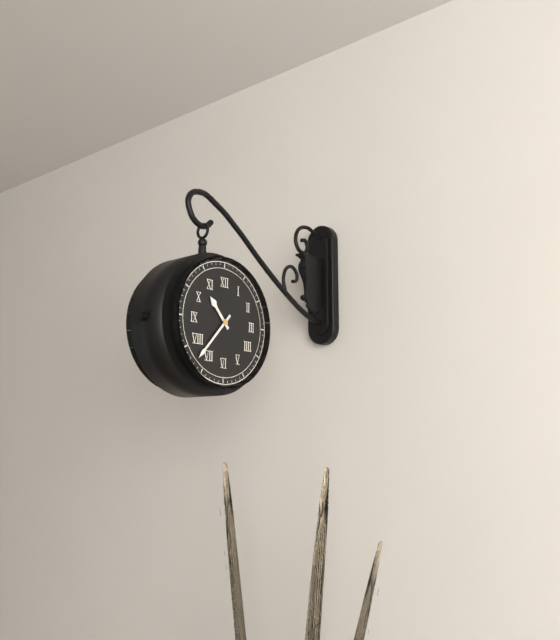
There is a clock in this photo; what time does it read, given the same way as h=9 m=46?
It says h=10 m=37
